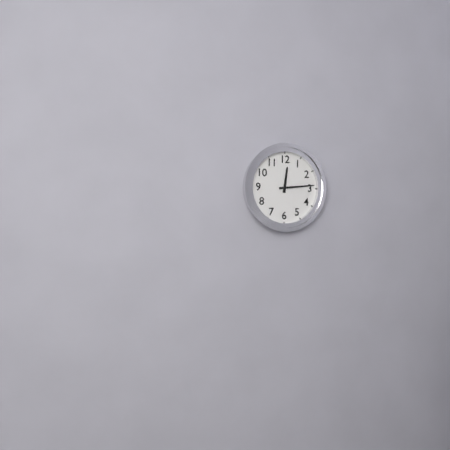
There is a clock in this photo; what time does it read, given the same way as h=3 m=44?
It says h=12 m=14
